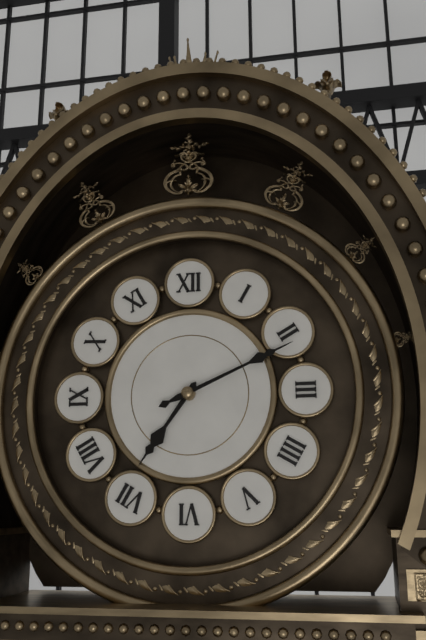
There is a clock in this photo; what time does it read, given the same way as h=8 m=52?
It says h=7 m=11
